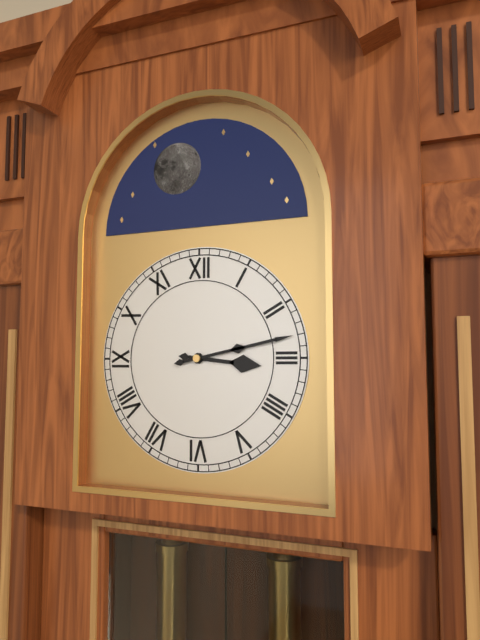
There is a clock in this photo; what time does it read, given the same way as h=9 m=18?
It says h=3 m=13
